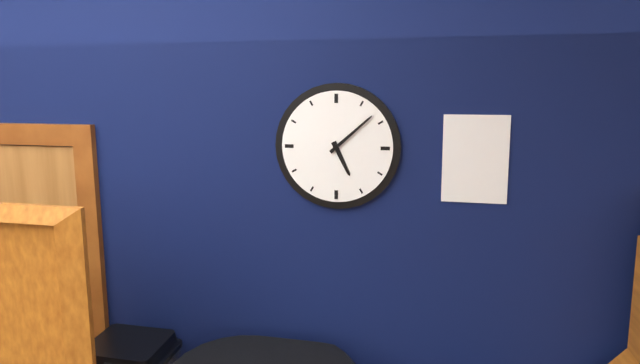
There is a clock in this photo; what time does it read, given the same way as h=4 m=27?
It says h=5 m=8
